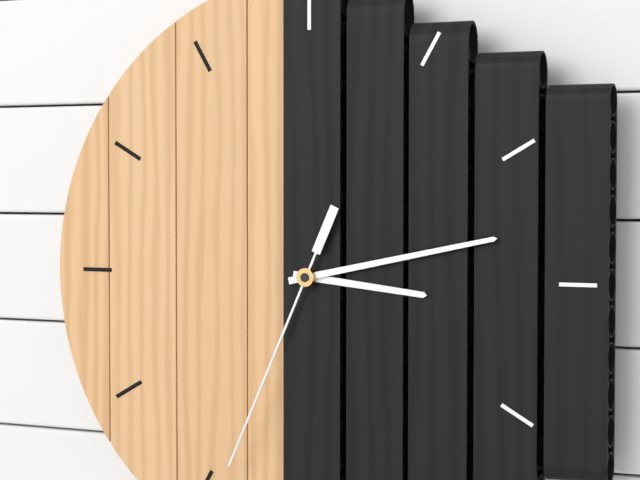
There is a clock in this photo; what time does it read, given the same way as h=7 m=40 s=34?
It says h=3 m=13 s=34
